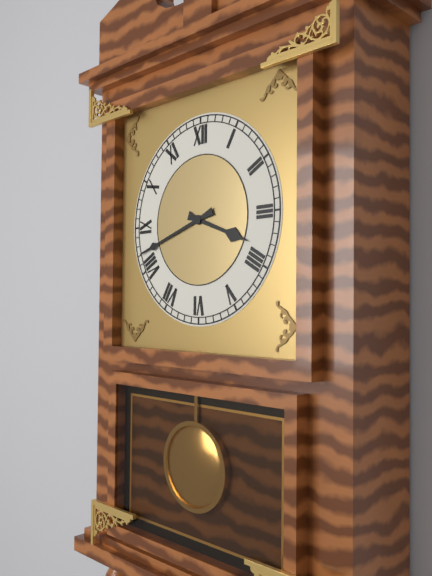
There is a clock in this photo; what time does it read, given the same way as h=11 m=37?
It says h=3 m=42
